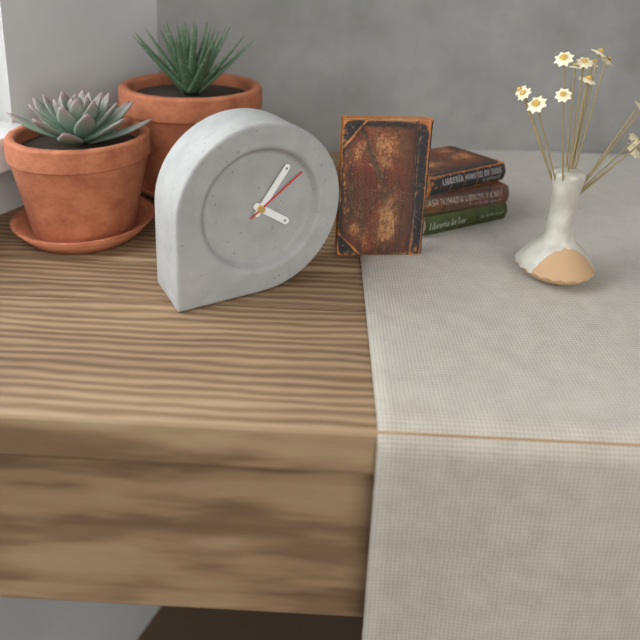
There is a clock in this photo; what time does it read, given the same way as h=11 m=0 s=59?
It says h=4 m=6 s=9
